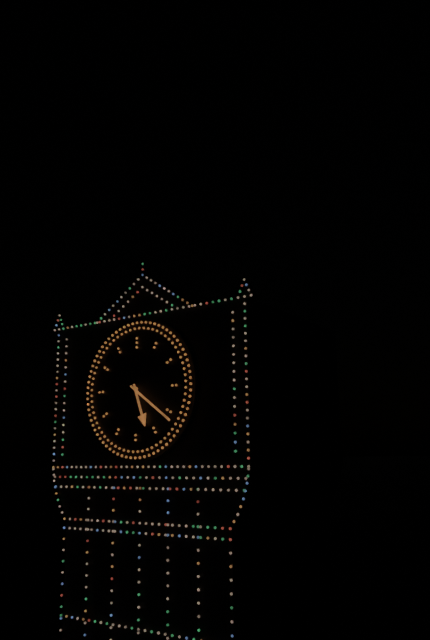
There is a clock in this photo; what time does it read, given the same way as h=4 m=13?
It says h=5 m=21
